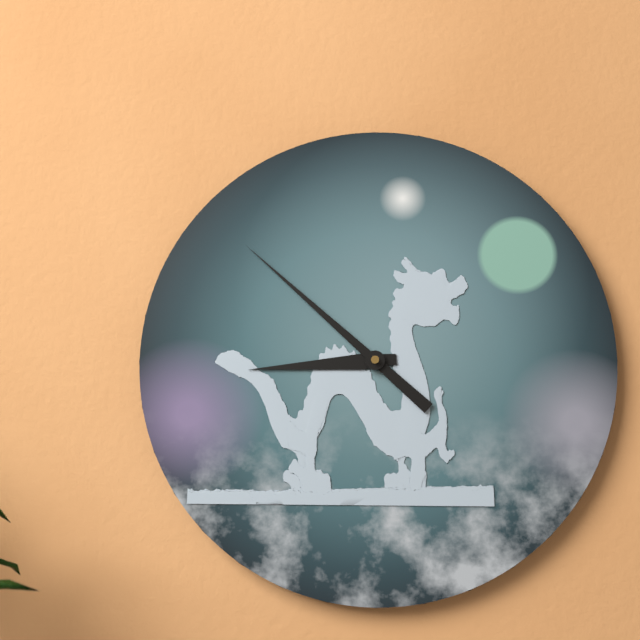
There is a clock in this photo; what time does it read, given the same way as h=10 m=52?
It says h=8 m=52
